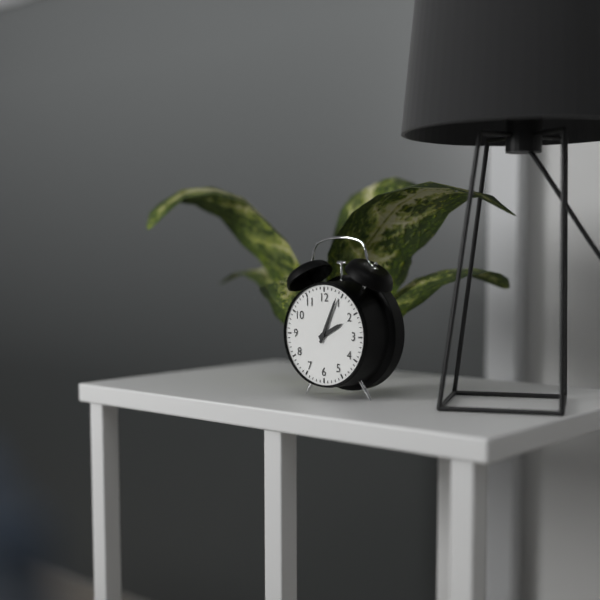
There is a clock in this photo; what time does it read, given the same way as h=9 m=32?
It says h=2 m=4
